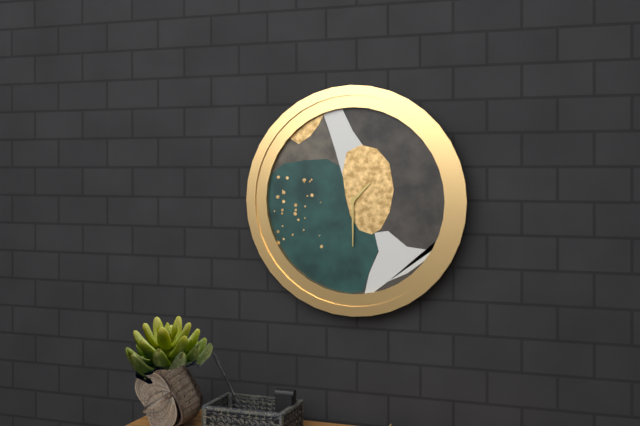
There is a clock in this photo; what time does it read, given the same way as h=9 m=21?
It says h=1 m=30
